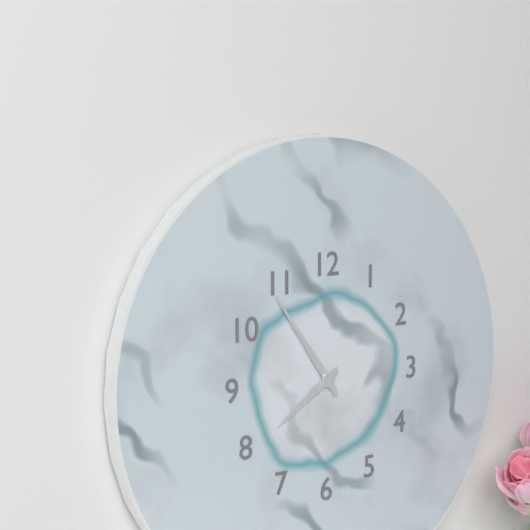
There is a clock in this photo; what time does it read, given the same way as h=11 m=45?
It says h=7 m=54
